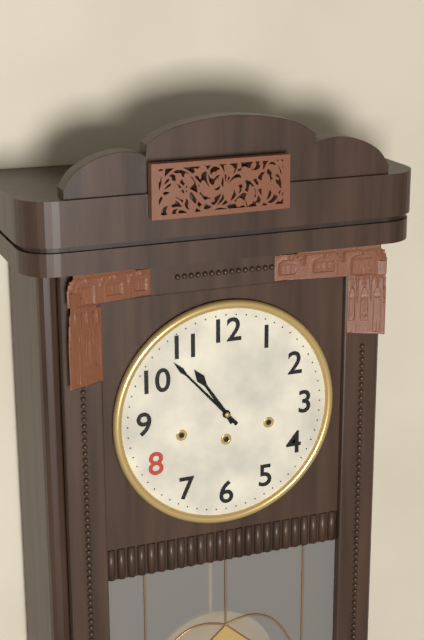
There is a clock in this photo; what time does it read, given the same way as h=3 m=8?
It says h=10 m=53
